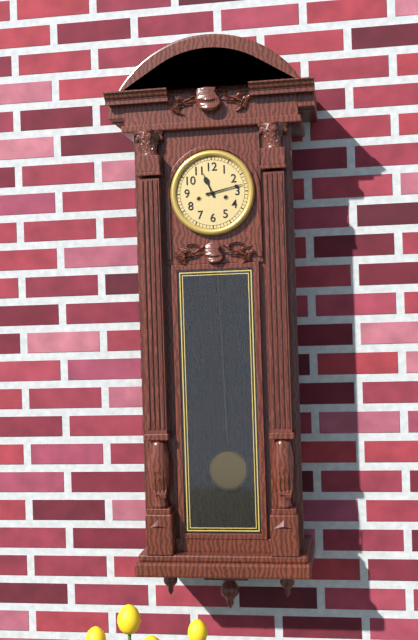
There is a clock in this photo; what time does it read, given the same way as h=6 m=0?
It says h=11 m=13
